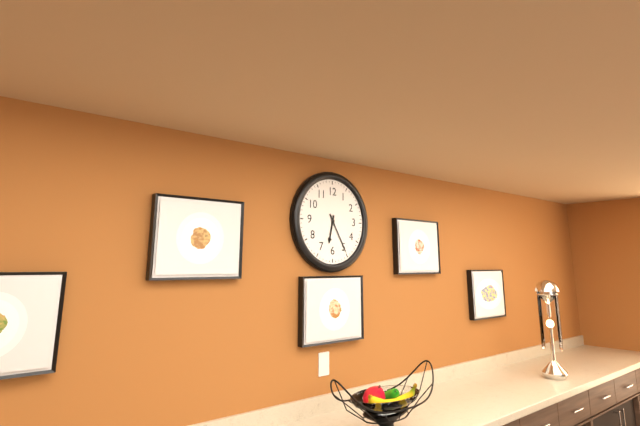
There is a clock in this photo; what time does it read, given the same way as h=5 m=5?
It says h=6 m=25
